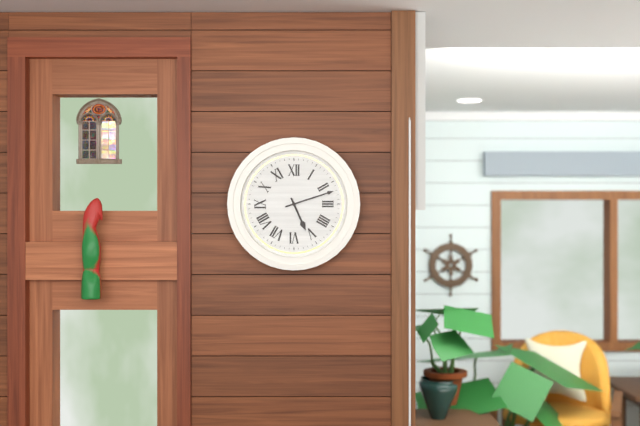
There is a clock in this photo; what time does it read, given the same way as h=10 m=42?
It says h=5 m=12
